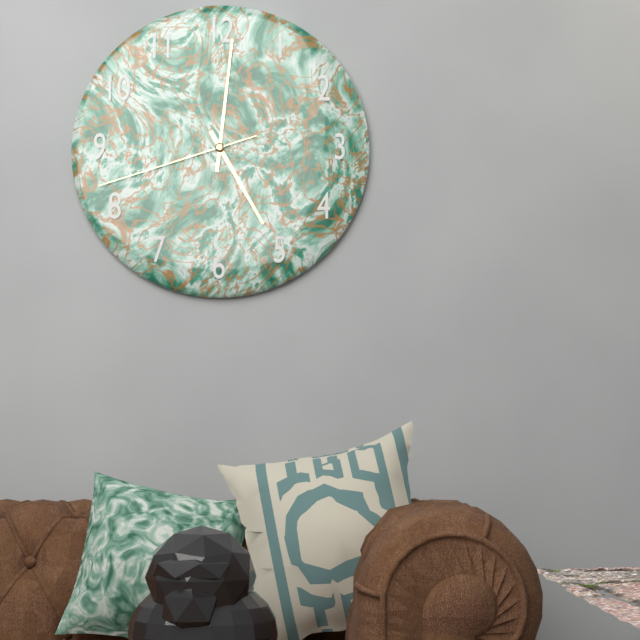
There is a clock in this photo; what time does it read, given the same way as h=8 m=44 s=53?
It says h=5 m=1 s=42
